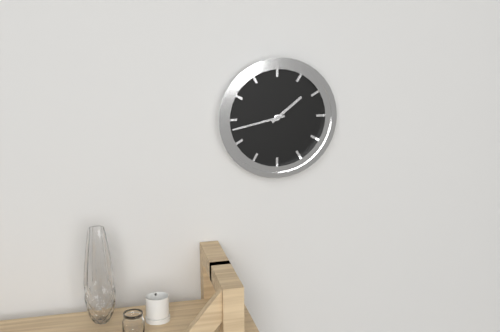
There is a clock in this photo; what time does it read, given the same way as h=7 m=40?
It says h=1 m=43
